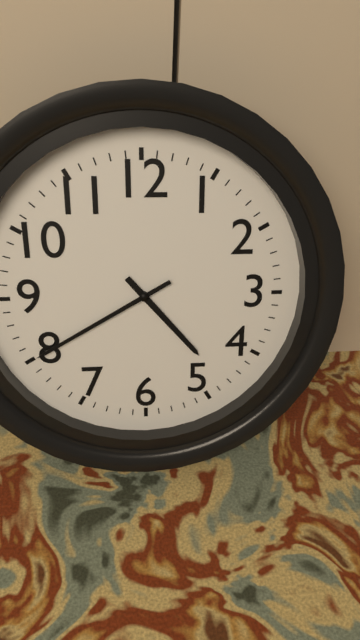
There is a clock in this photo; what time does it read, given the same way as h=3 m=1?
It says h=4 m=40
